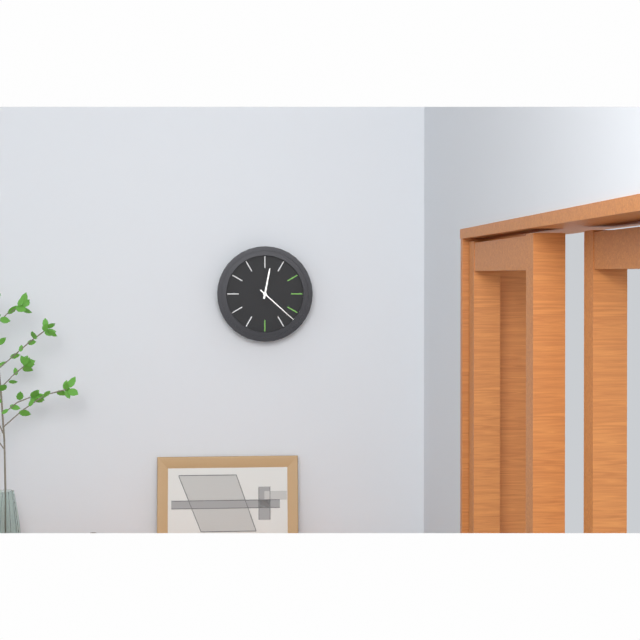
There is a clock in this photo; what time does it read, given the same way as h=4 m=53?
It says h=12 m=22
